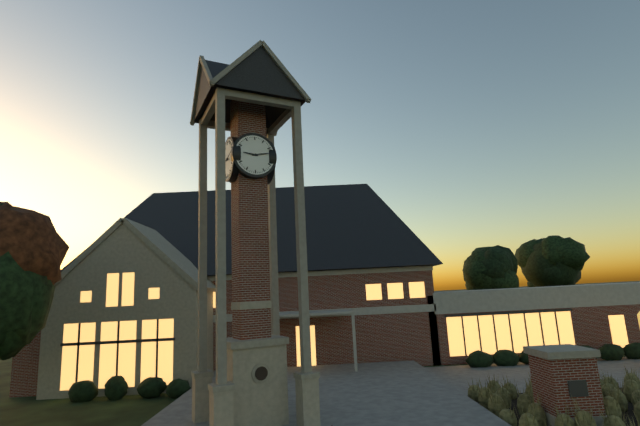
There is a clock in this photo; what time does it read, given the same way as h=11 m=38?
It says h=9 m=13
